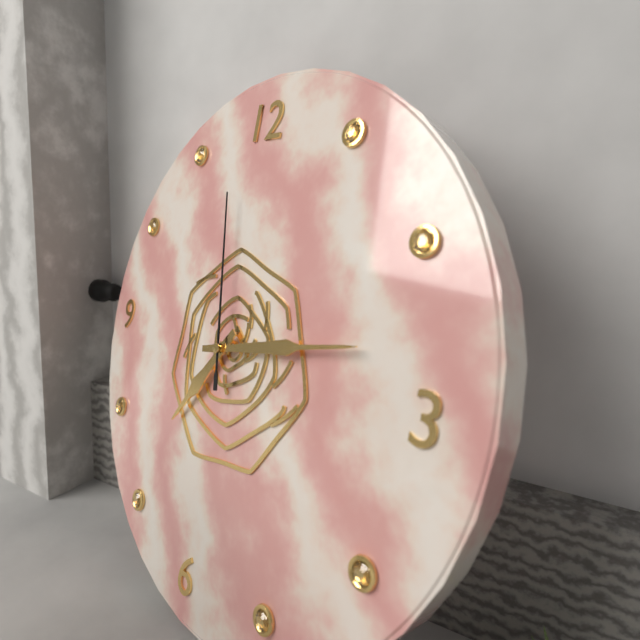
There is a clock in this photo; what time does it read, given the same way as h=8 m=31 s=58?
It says h=7 m=13 s=58
